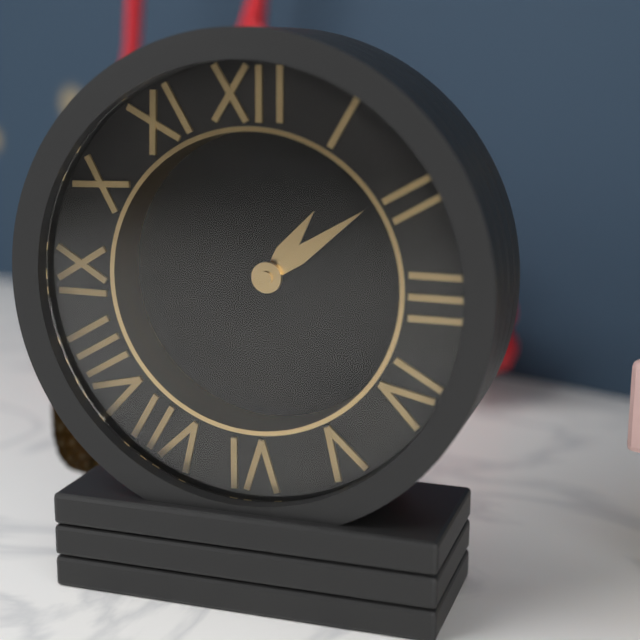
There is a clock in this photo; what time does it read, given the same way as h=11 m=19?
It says h=1 m=9
